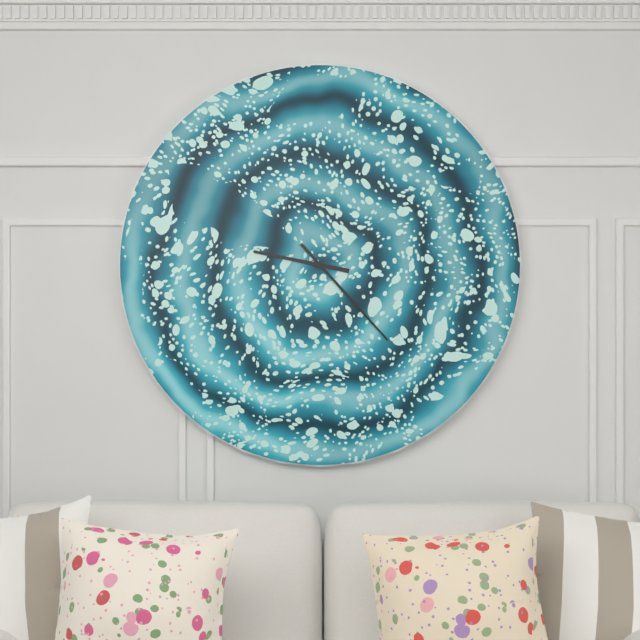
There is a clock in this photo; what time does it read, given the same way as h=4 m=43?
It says h=9 m=23
